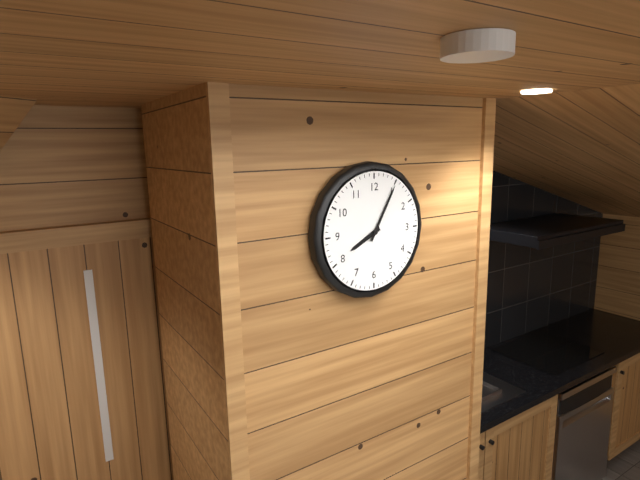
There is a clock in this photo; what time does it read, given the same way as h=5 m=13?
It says h=8 m=5
